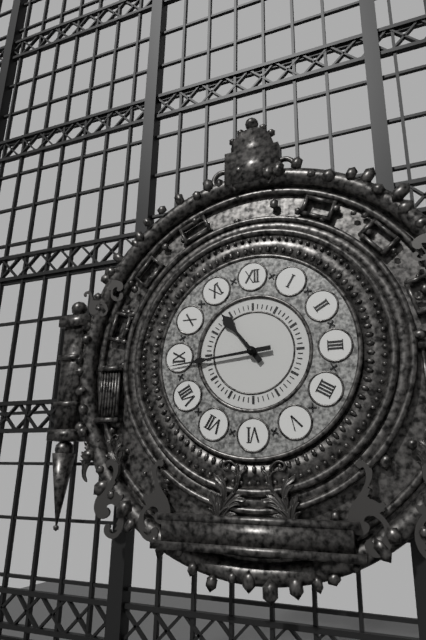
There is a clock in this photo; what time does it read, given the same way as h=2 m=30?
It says h=10 m=44
